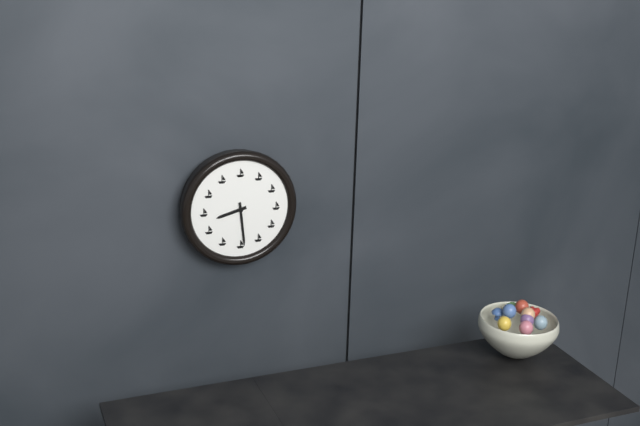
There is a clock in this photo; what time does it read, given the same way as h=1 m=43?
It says h=8 m=29
